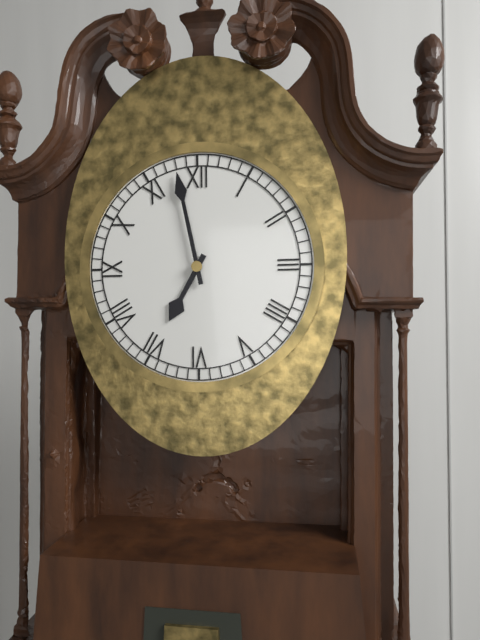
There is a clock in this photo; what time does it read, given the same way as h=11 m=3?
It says h=6 m=58
